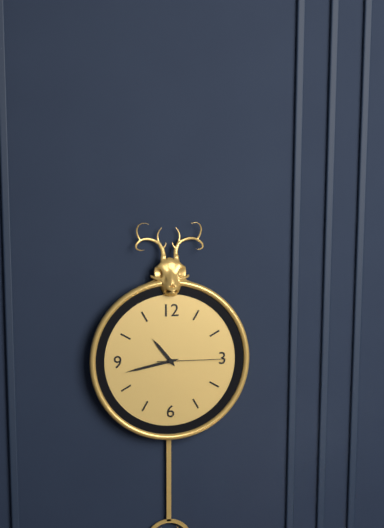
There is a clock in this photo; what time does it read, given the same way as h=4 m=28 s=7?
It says h=10 m=43 s=15
